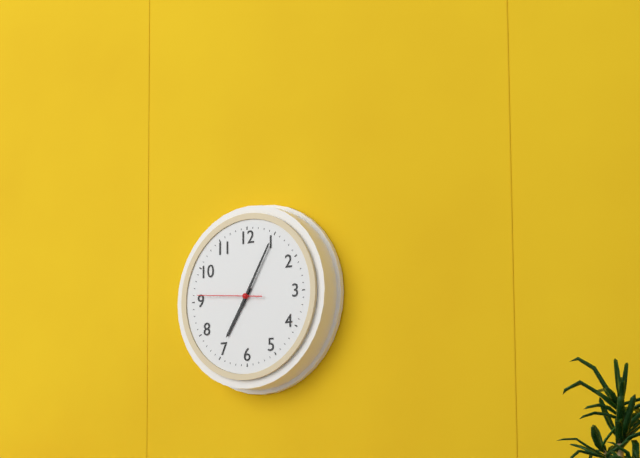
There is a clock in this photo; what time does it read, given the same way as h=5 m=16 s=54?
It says h=7 m=5 s=46
